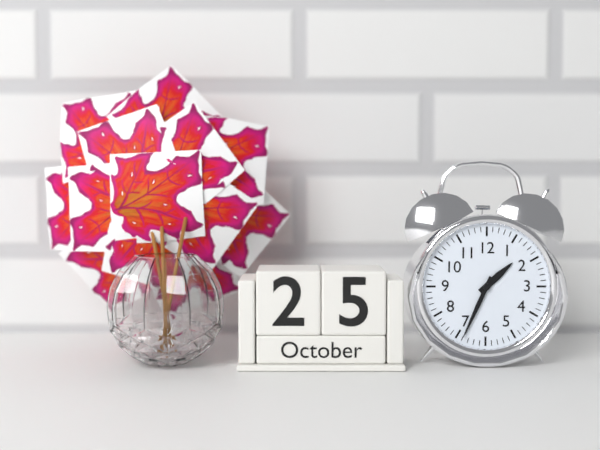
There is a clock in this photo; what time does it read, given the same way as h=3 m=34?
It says h=1 m=34
